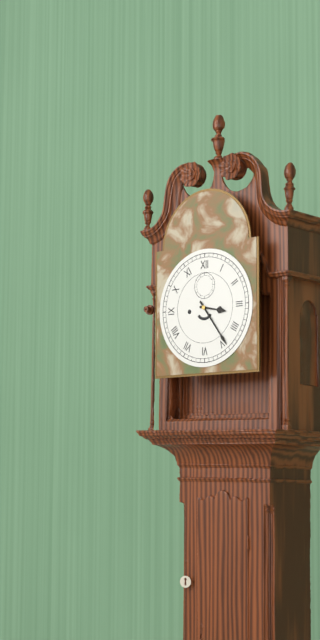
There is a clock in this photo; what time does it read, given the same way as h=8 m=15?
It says h=3 m=24
